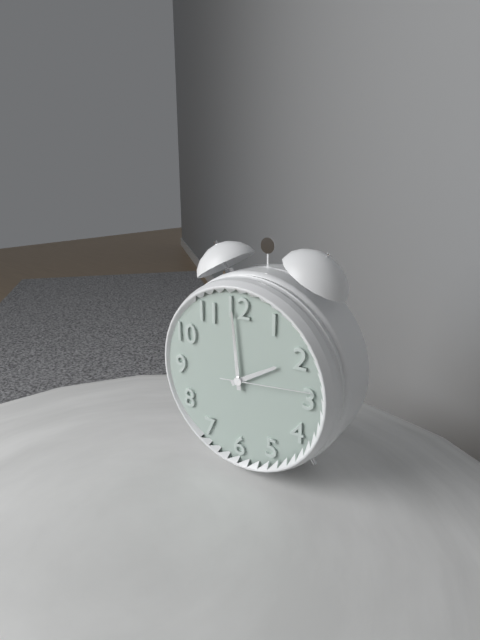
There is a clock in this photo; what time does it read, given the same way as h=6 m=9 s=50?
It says h=1 m=59 s=14
